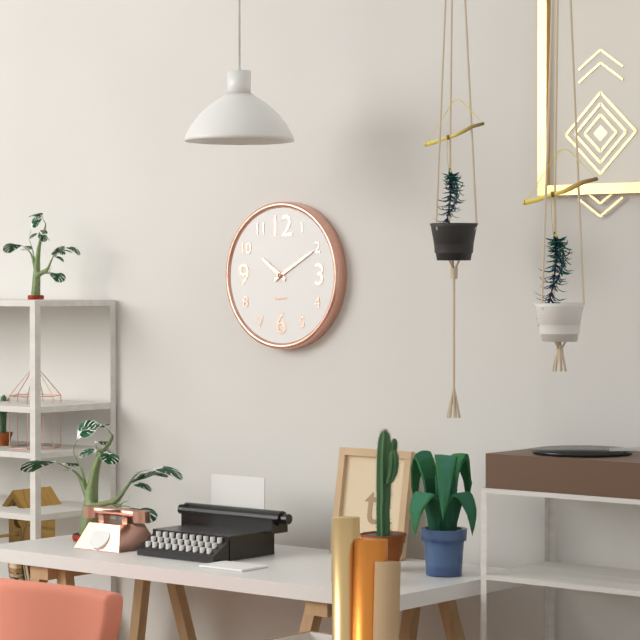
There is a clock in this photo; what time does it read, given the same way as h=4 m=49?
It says h=10 m=10
